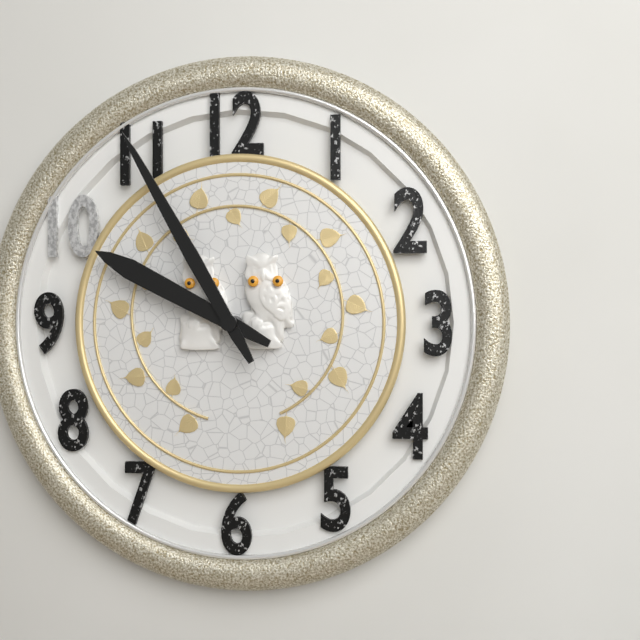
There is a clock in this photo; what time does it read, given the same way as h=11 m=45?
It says h=9 m=55
